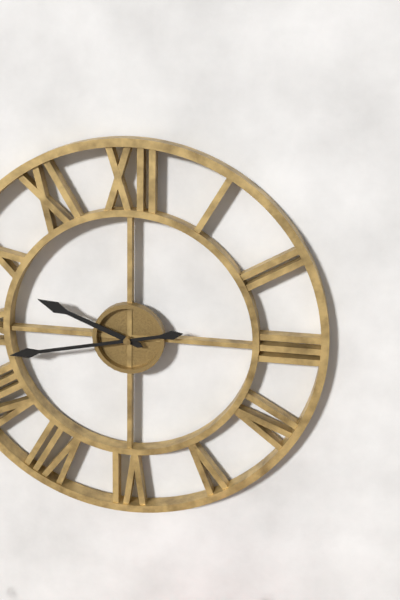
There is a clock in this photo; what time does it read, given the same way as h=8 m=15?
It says h=9 m=43
